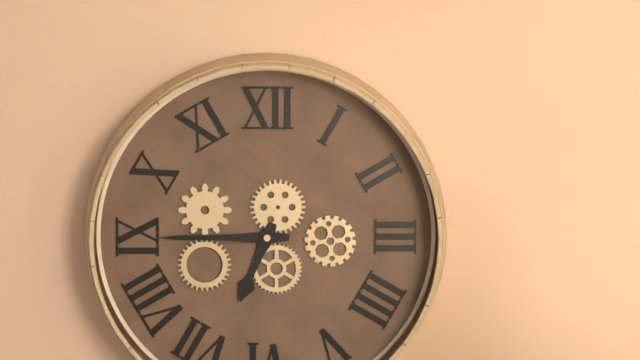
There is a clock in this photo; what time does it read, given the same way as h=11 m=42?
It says h=6 m=45
